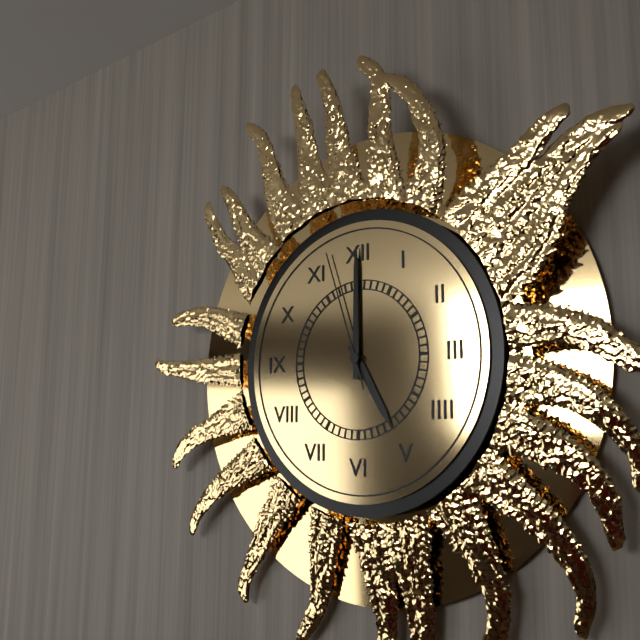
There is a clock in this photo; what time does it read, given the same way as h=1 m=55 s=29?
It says h=5 m=0 s=57
